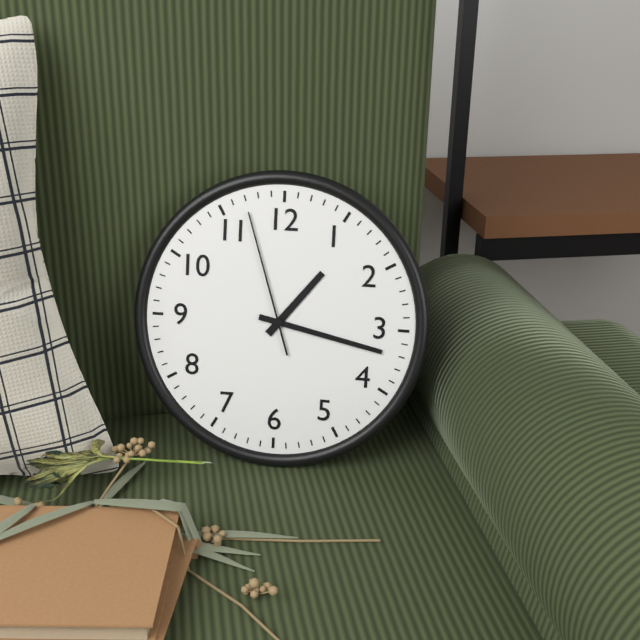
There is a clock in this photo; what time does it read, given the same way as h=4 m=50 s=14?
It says h=1 m=17 s=57
